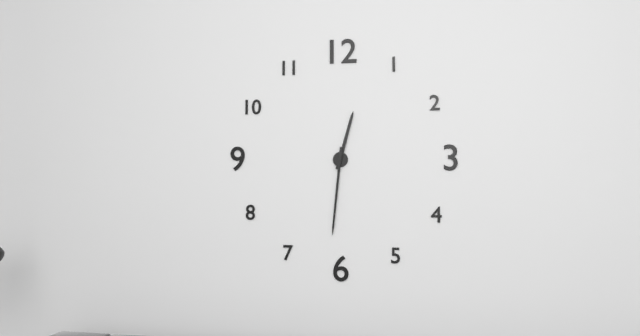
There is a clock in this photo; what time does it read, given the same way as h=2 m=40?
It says h=12 m=31
